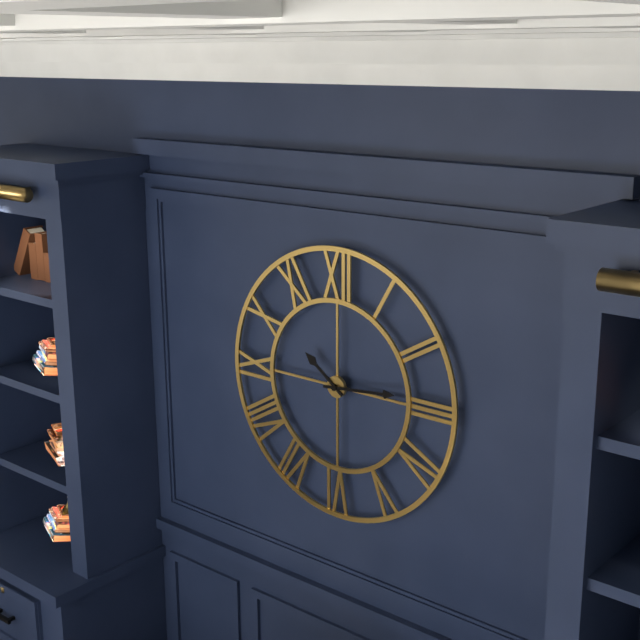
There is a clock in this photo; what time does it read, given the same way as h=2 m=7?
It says h=10 m=14
